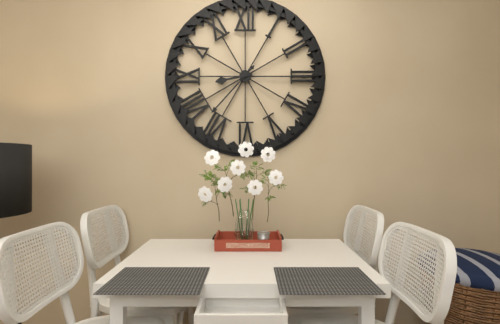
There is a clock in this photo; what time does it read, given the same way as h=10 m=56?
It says h=8 m=37
